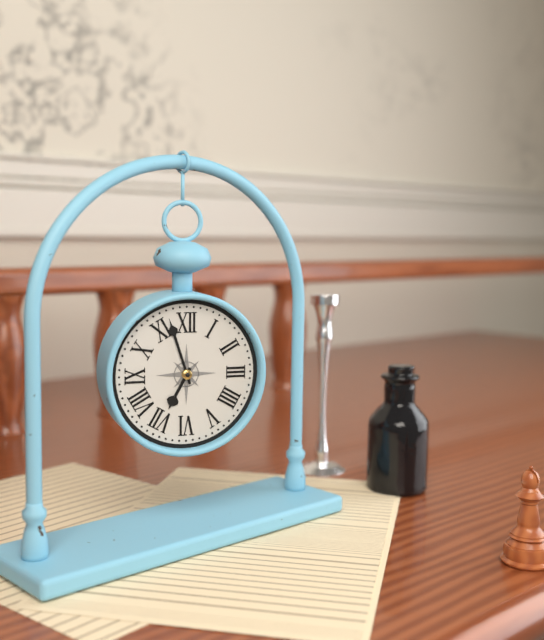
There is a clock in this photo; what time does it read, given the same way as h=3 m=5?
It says h=6 m=57
